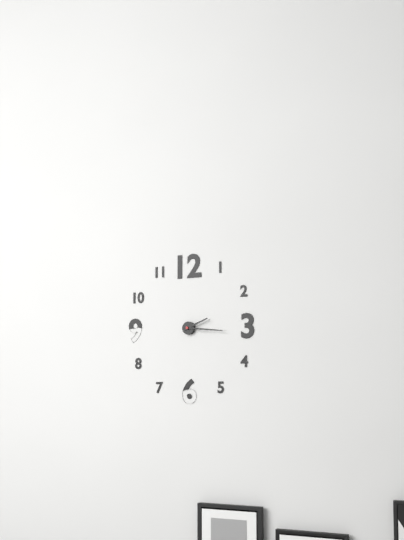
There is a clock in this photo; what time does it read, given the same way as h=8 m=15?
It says h=2 m=16
